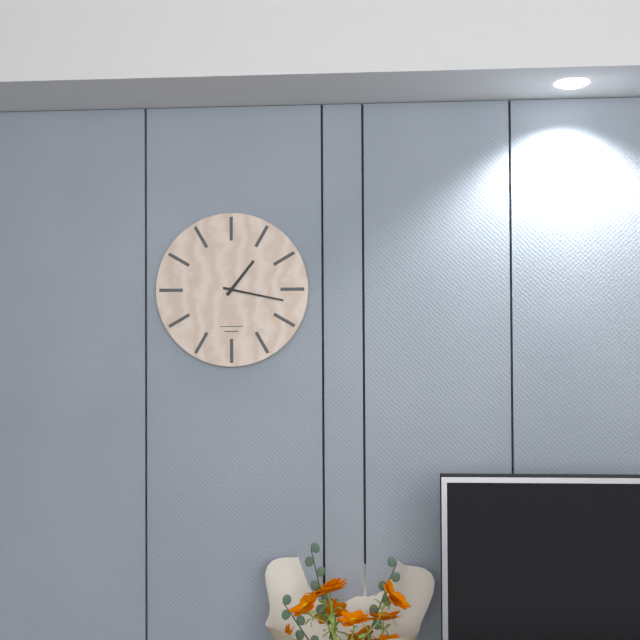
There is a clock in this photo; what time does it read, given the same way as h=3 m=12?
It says h=1 m=17
